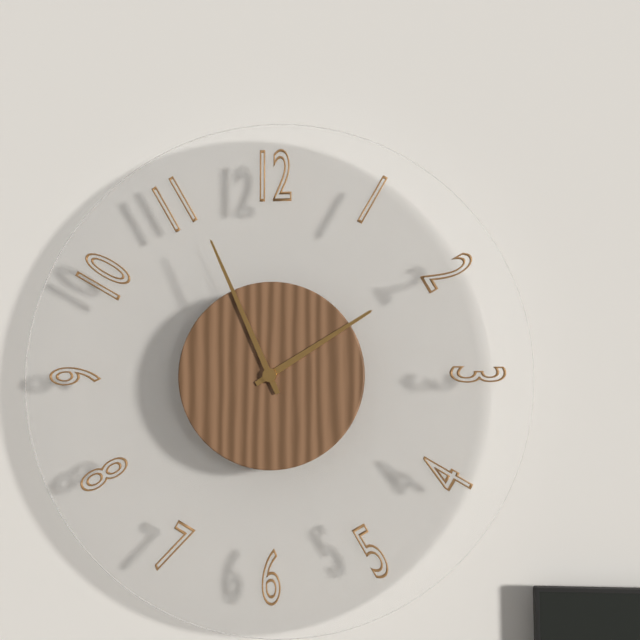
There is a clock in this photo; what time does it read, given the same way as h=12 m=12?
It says h=1 m=56
